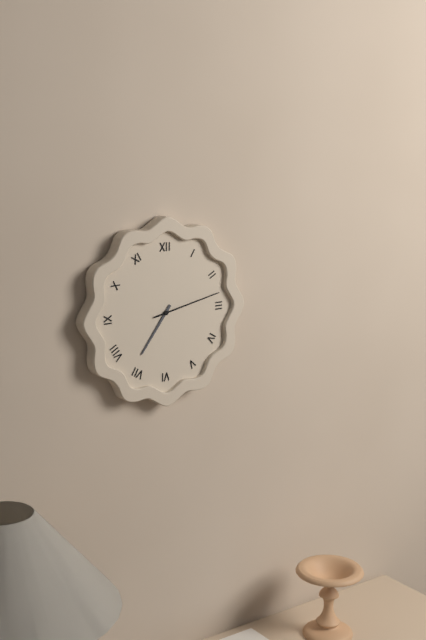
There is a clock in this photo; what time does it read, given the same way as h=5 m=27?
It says h=7 m=13
